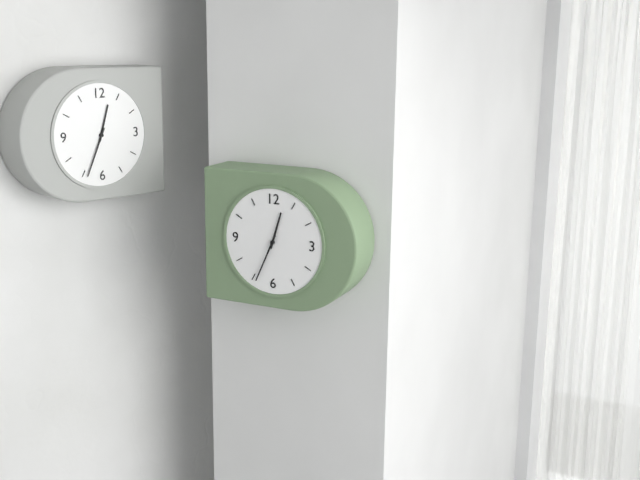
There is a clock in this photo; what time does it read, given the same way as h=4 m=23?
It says h=12 m=34
